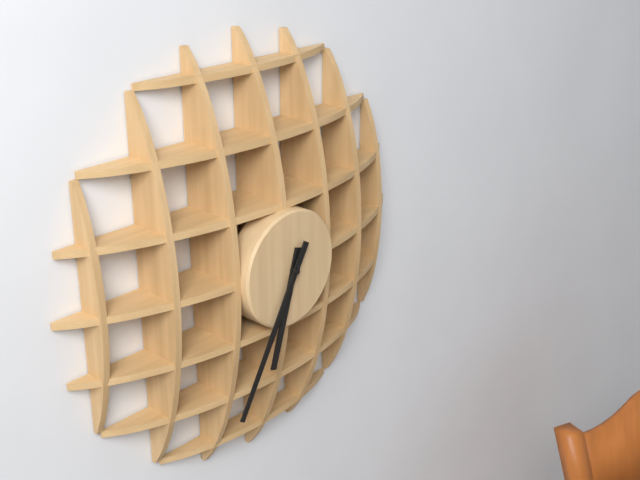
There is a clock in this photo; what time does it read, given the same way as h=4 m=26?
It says h=6 m=35
